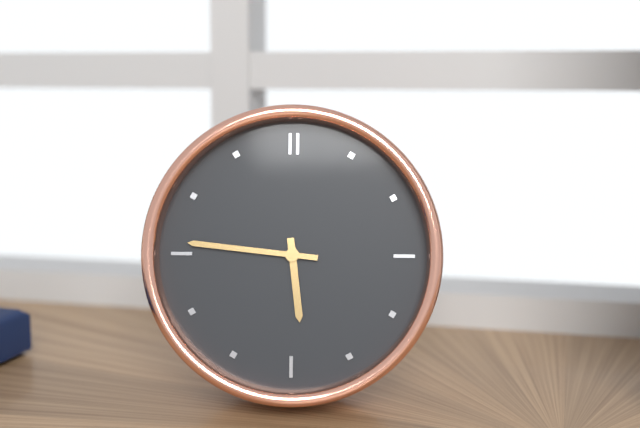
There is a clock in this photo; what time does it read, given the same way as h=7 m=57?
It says h=5 m=46
